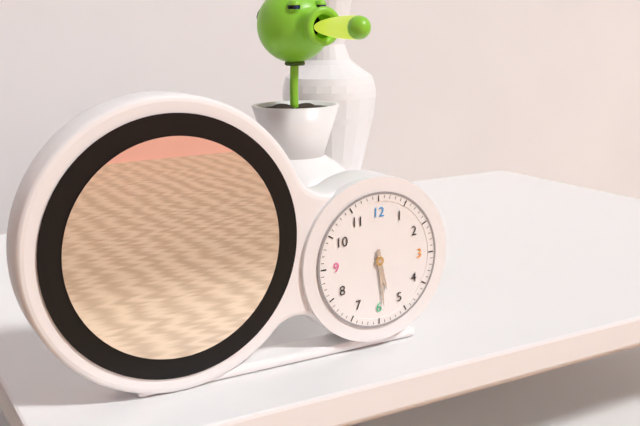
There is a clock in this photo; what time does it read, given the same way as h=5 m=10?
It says h=5 m=29
